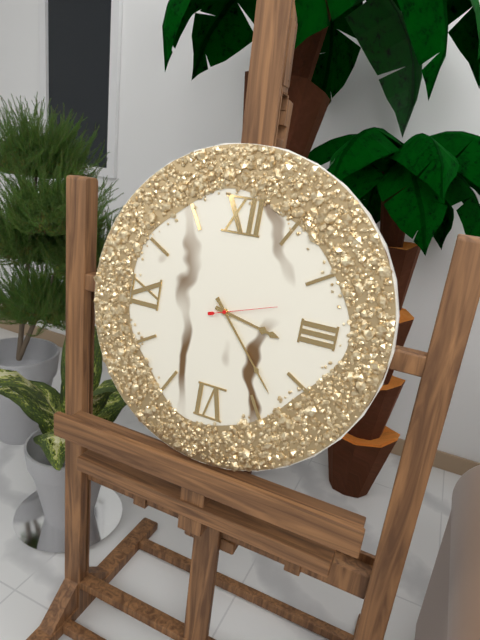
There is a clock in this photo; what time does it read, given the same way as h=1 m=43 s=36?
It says h=3 m=23 s=12
